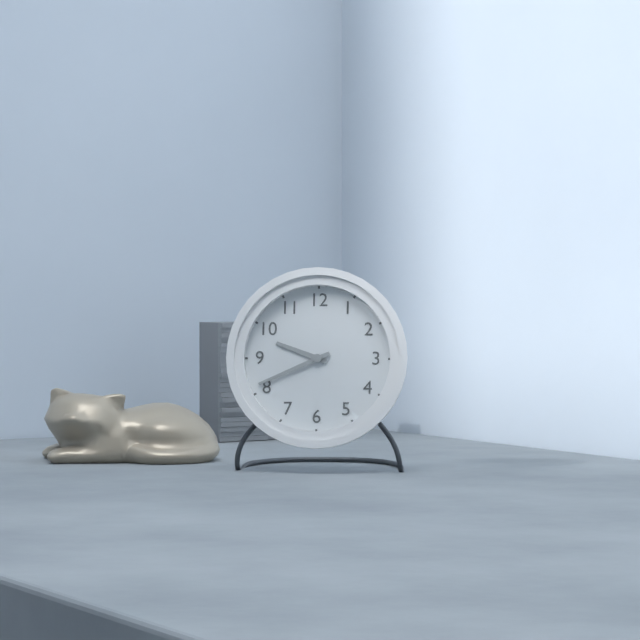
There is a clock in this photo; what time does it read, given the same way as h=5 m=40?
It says h=9 m=41
